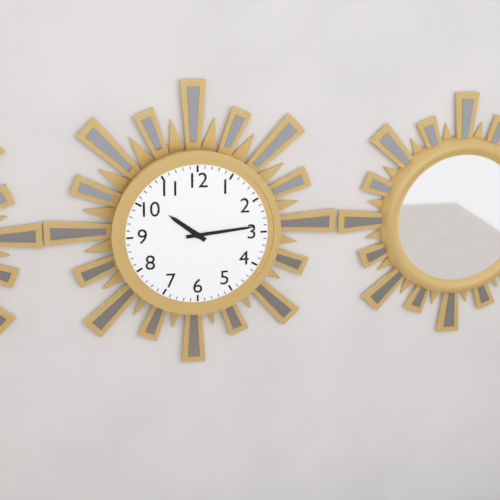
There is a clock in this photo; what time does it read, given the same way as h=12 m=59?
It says h=10 m=14
